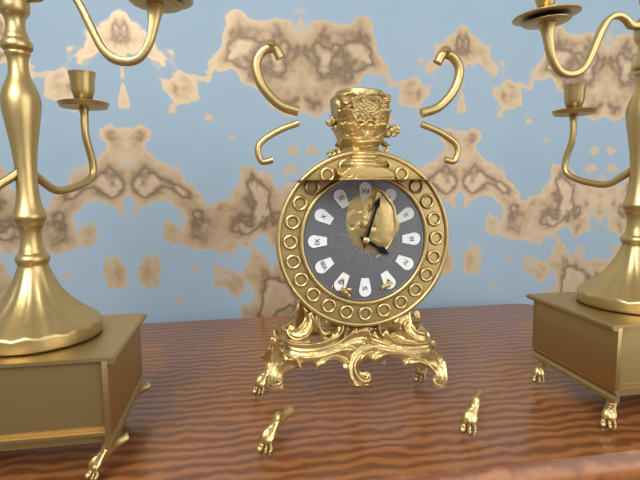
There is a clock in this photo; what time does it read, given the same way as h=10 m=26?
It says h=4 m=3
